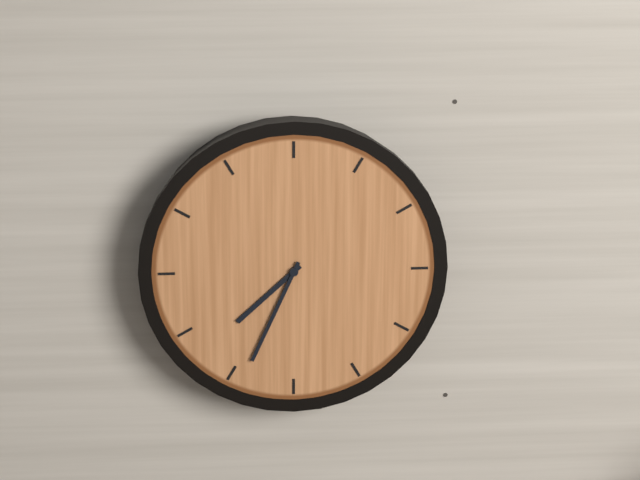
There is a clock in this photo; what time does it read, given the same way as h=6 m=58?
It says h=7 m=34
